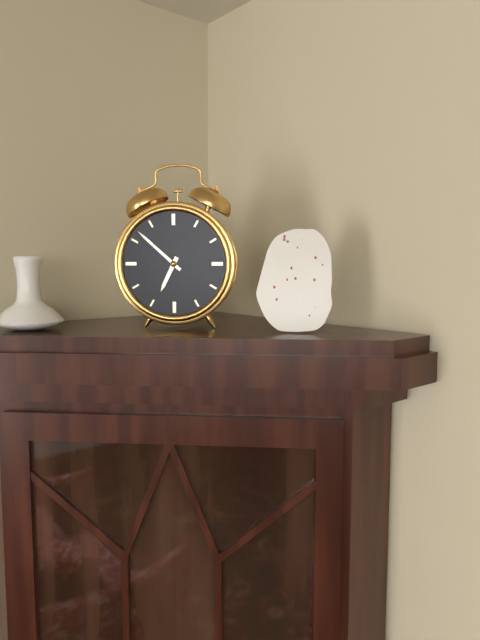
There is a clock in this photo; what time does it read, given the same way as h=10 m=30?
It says h=6 m=52
